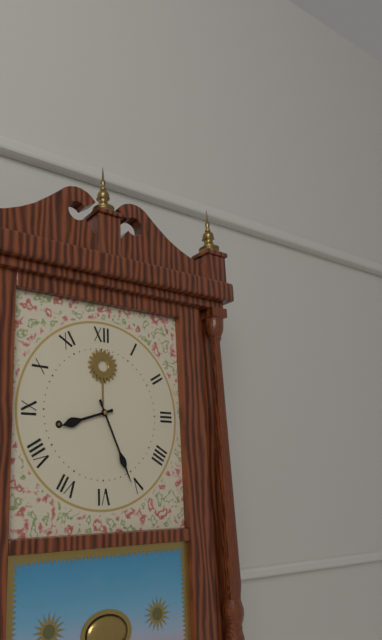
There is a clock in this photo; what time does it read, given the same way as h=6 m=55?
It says h=8 m=26
